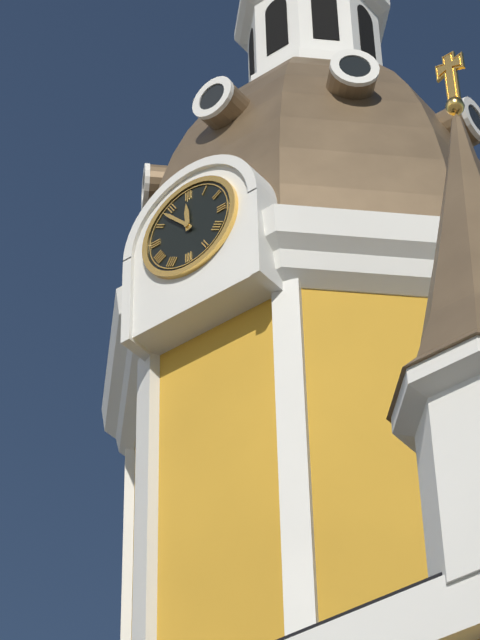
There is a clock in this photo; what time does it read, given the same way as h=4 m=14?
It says h=11 m=53
